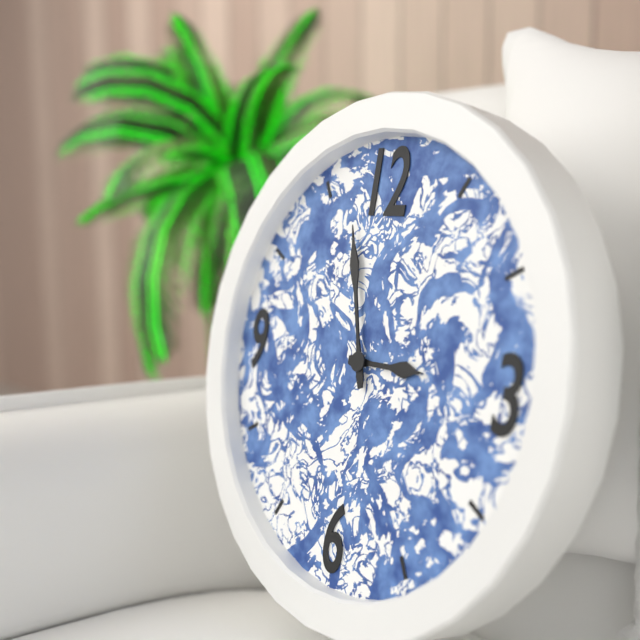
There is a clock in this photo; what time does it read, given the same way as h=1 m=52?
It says h=2 m=57
